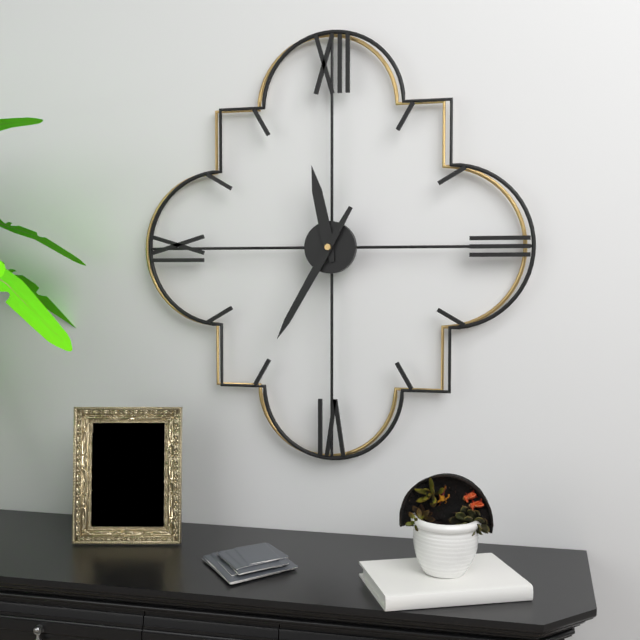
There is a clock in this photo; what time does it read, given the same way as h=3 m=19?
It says h=11 m=35
